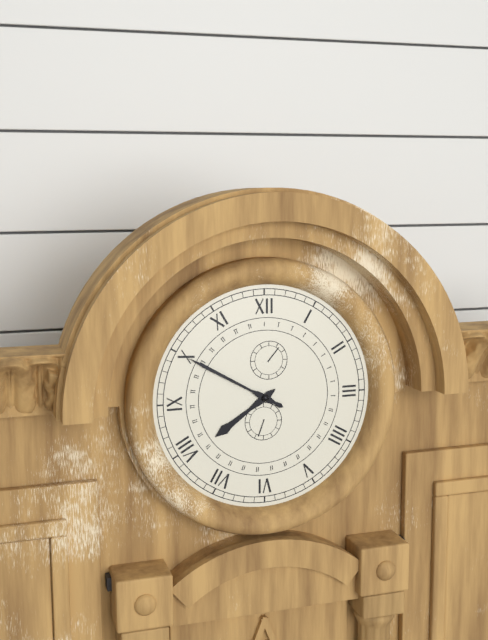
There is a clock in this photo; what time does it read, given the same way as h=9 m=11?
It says h=7 m=50
